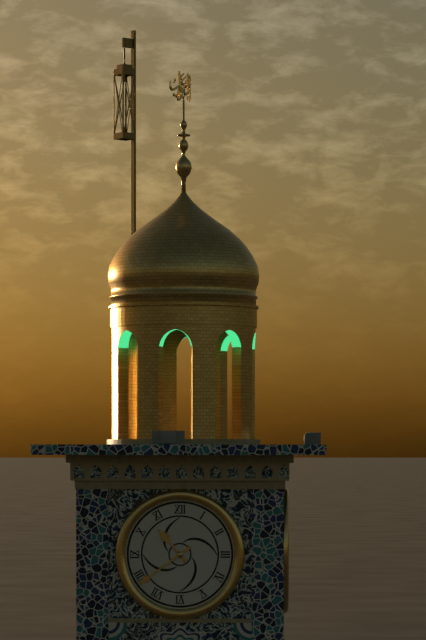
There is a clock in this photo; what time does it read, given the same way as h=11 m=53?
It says h=10 m=39
